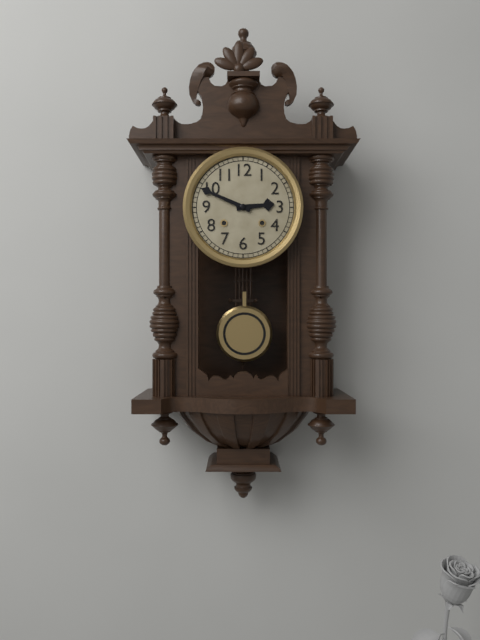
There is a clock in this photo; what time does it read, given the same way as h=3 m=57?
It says h=2 m=49
